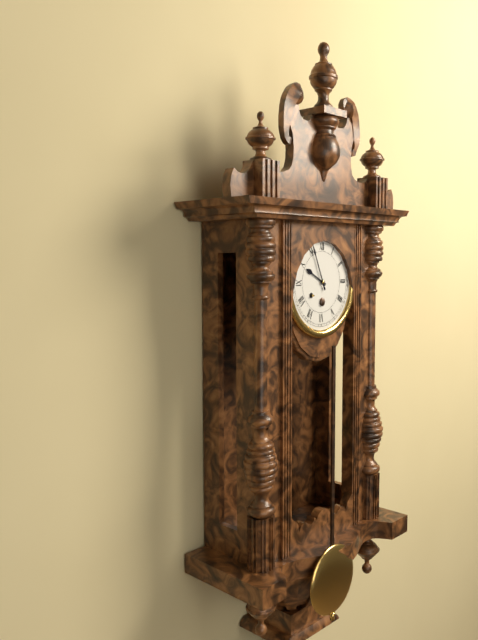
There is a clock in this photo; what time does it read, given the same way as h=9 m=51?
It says h=9 m=56
